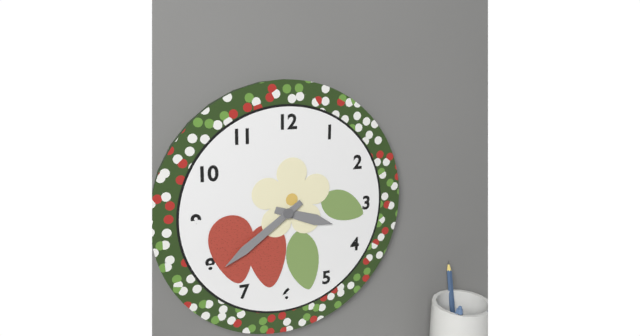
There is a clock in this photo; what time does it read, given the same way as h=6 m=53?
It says h=3 m=39
